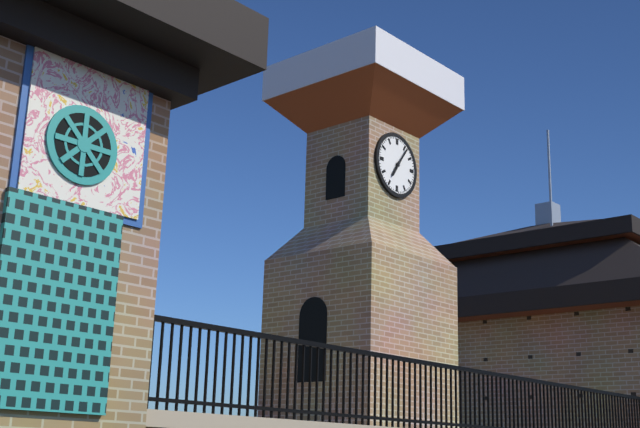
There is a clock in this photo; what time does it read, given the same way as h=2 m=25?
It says h=7 m=6
